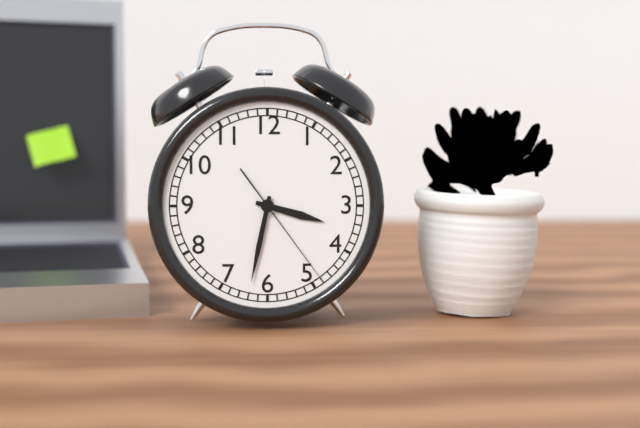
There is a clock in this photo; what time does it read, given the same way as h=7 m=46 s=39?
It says h=3 m=32 s=24
